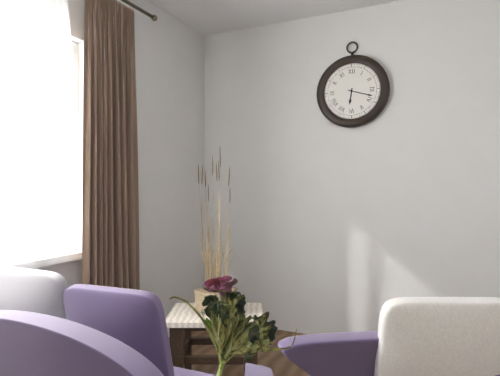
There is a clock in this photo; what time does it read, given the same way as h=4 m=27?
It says h=6 m=18
